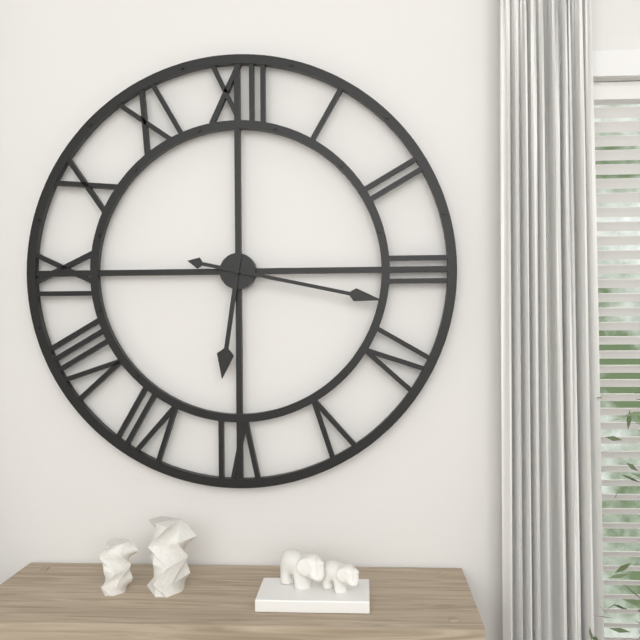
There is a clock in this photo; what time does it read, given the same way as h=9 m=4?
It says h=6 m=17
